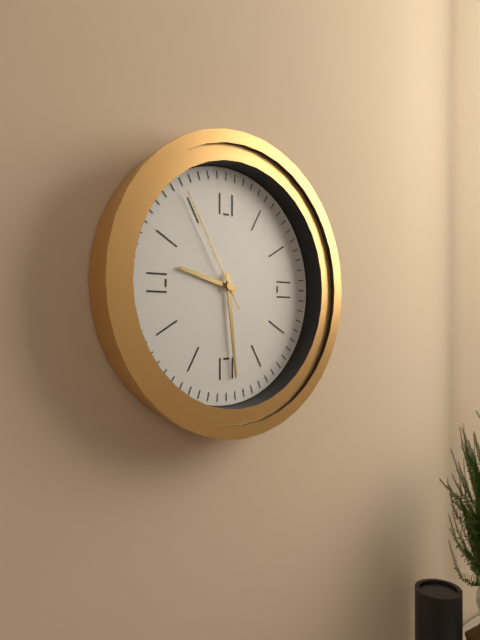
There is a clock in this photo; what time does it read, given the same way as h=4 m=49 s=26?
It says h=9 m=29 s=55
